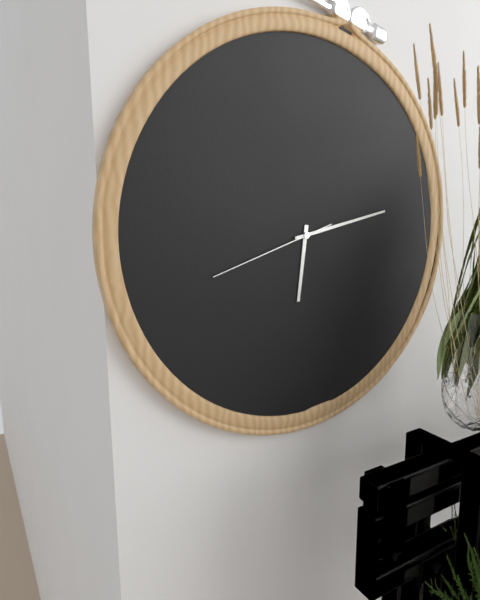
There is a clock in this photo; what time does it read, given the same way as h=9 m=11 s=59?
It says h=6 m=13 s=42
